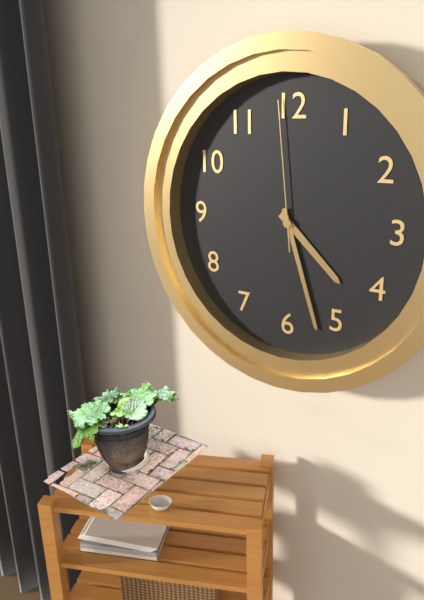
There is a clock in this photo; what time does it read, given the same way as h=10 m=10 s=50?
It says h=4 m=27 s=59
